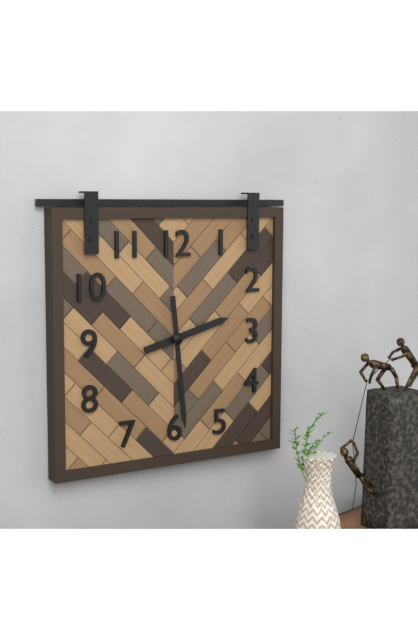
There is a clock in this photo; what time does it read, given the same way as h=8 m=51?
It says h=2 m=29
